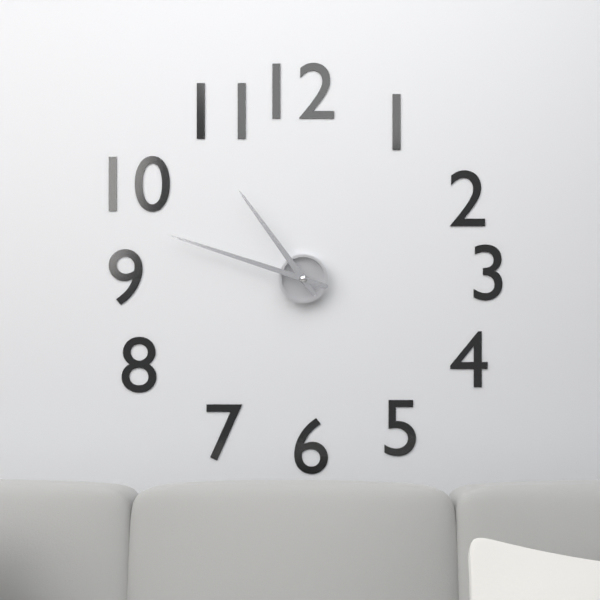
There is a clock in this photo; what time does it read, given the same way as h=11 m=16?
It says h=10 m=48
